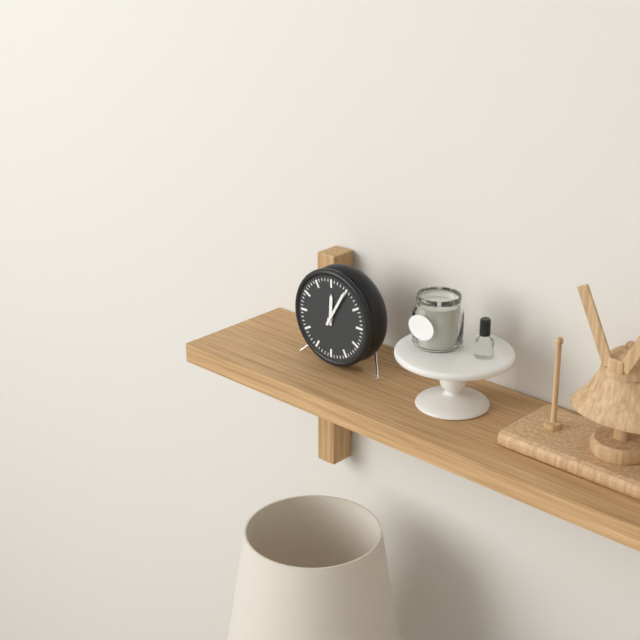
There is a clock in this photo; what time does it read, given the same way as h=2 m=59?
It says h=12 m=5
